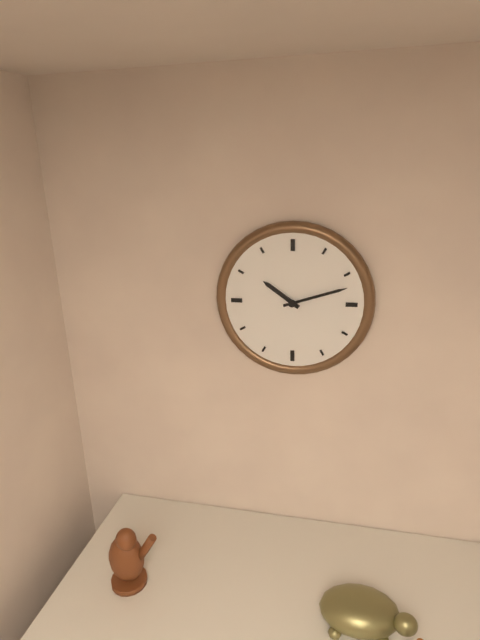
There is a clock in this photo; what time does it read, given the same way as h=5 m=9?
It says h=10 m=12
